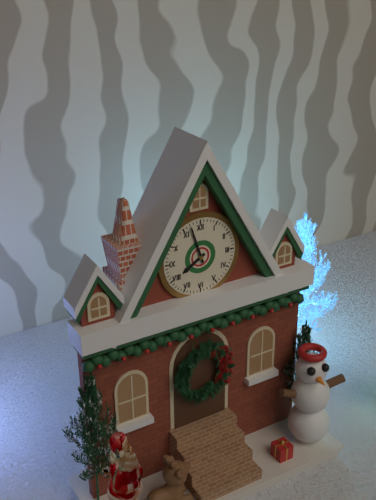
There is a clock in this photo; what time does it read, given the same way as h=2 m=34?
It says h=7 m=57
